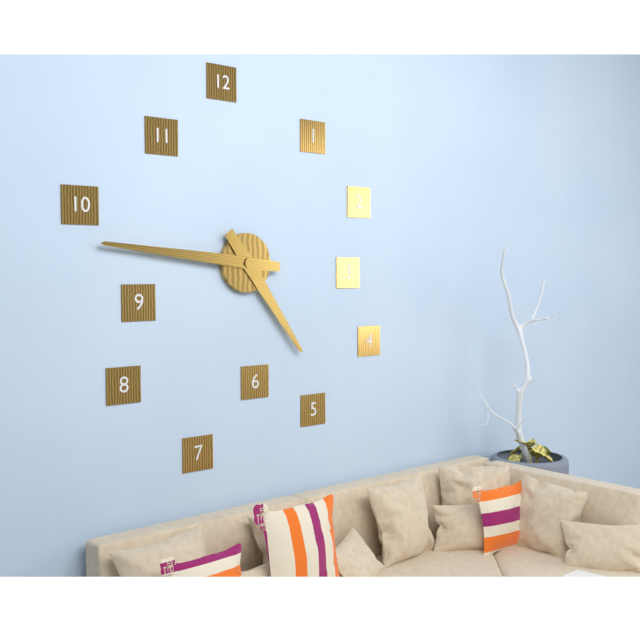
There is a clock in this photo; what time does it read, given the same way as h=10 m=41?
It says h=4 m=46
